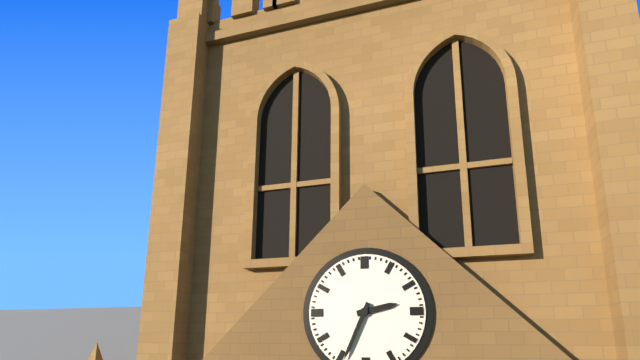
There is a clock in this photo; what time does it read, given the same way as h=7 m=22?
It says h=2 m=34
